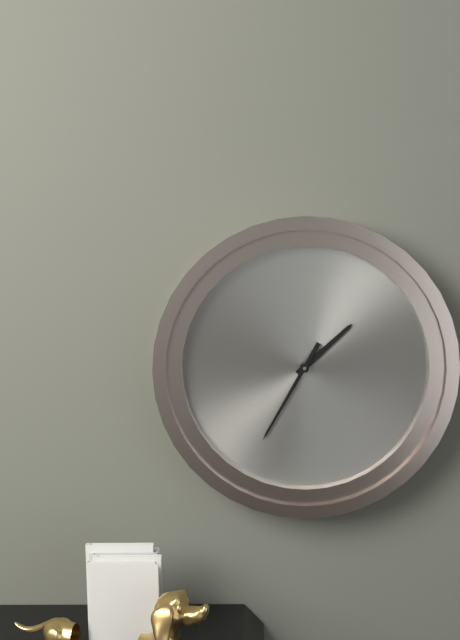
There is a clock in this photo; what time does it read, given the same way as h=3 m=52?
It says h=1 m=35
